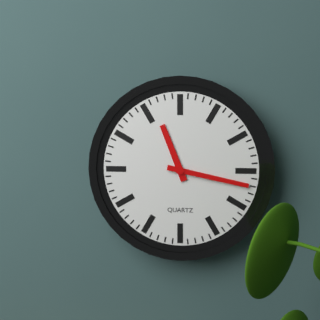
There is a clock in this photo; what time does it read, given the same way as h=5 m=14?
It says h=11 m=17
